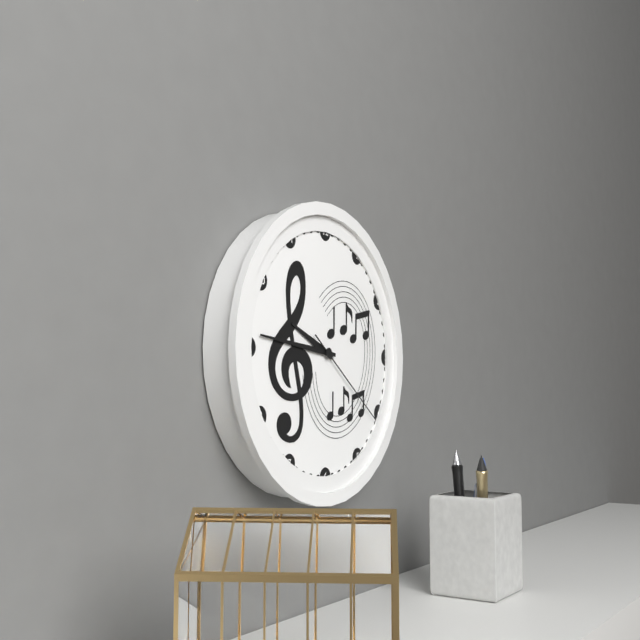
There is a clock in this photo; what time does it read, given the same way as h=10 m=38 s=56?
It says h=9 m=46 s=21
